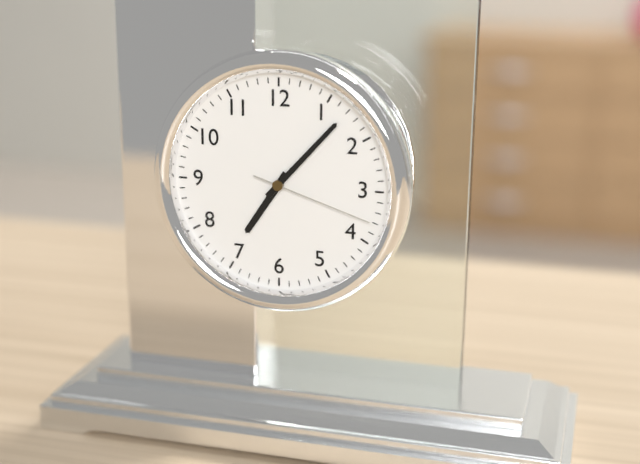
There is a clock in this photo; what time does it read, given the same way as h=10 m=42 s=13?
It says h=7 m=7 s=18
